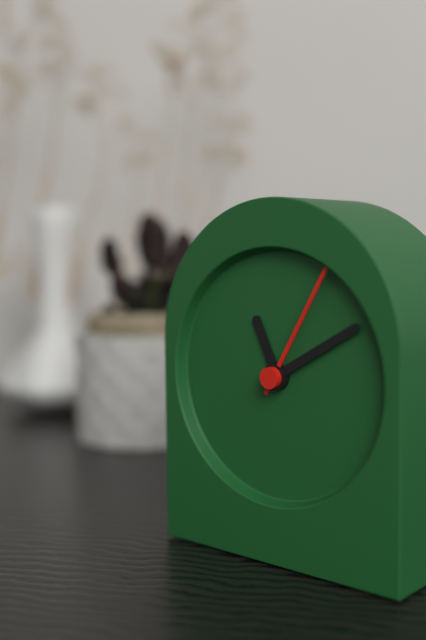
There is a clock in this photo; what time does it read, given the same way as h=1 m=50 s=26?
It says h=11 m=10 s=5
